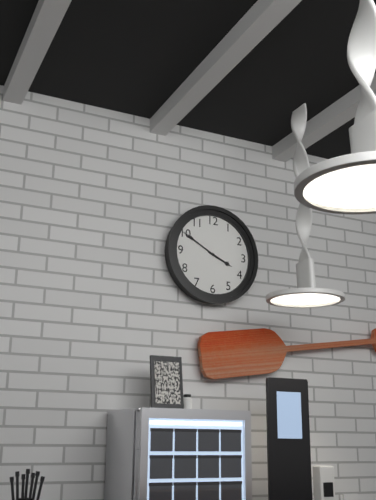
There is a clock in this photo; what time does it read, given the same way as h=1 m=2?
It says h=3 m=50
